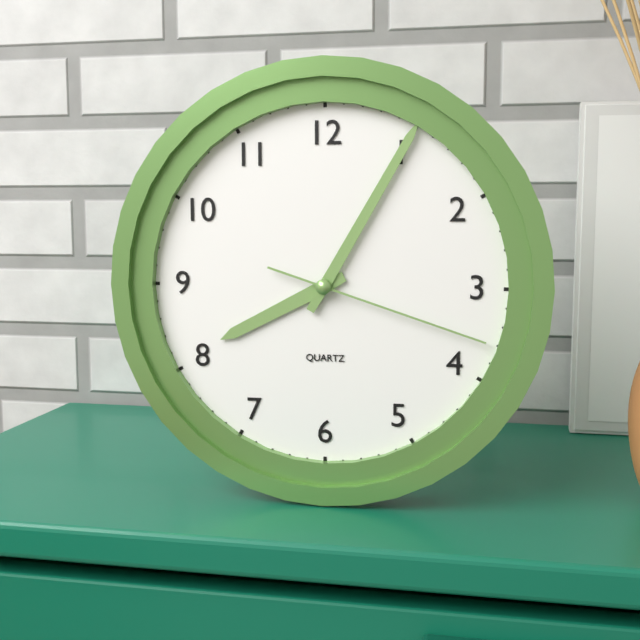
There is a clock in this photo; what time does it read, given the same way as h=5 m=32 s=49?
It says h=8 m=5 s=18
